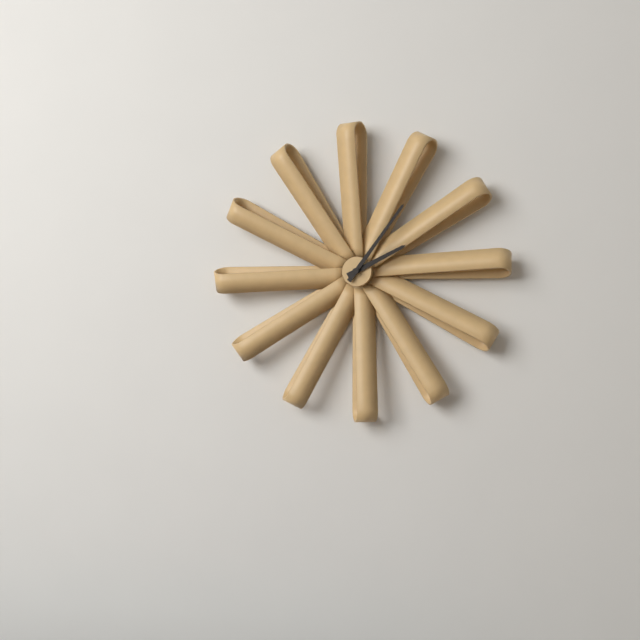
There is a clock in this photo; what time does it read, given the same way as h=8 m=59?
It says h=2 m=6
